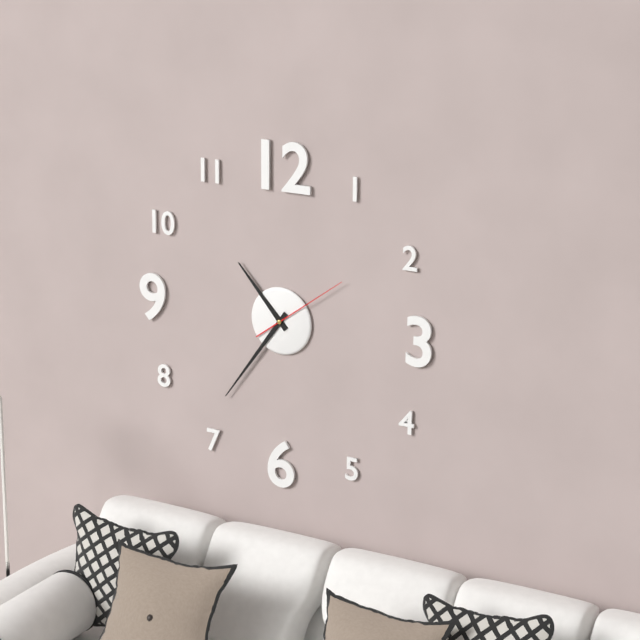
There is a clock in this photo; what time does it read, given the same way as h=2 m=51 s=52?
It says h=10 m=36 s=9
